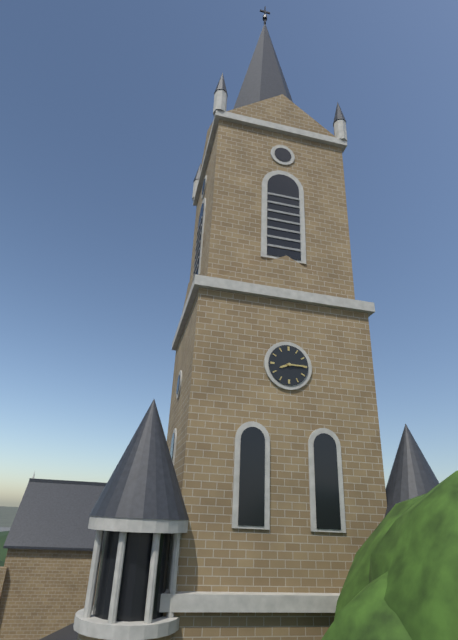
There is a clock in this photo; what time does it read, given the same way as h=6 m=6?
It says h=8 m=15
